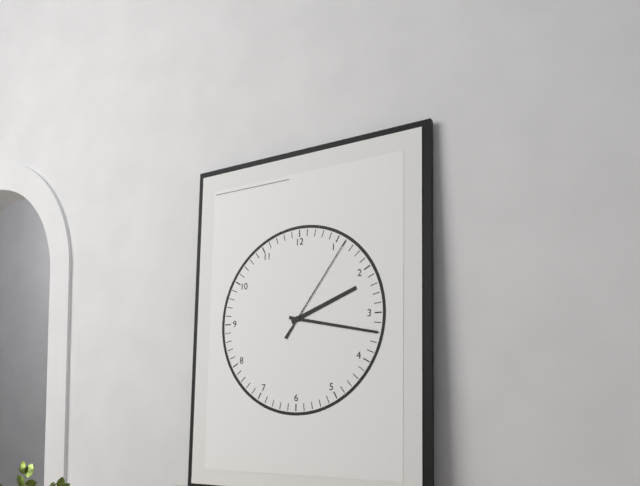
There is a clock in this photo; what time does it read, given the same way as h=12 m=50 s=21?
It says h=2 m=17 s=6
